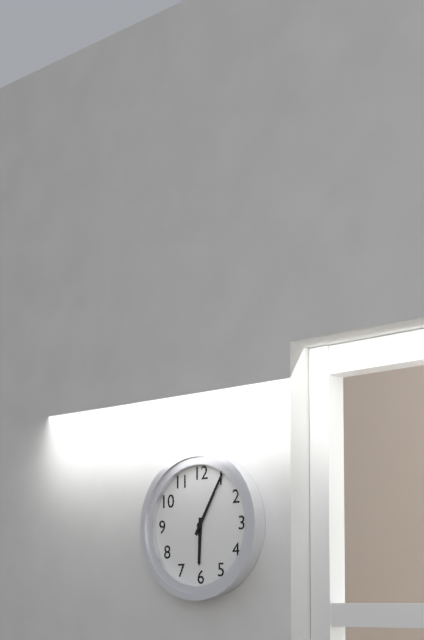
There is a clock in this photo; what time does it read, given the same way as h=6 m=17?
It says h=6 m=5
